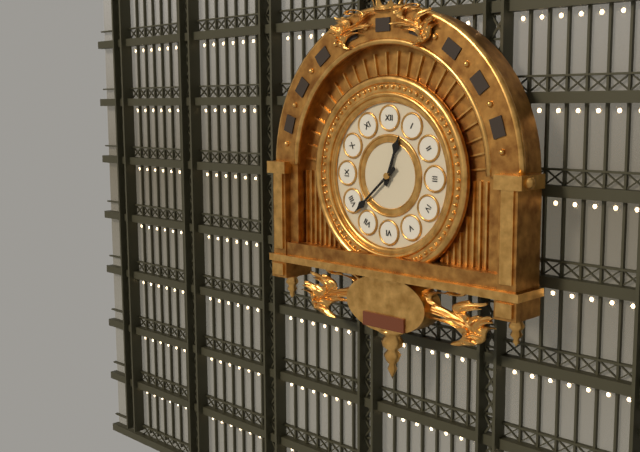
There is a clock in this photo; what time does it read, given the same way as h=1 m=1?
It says h=12 m=38
